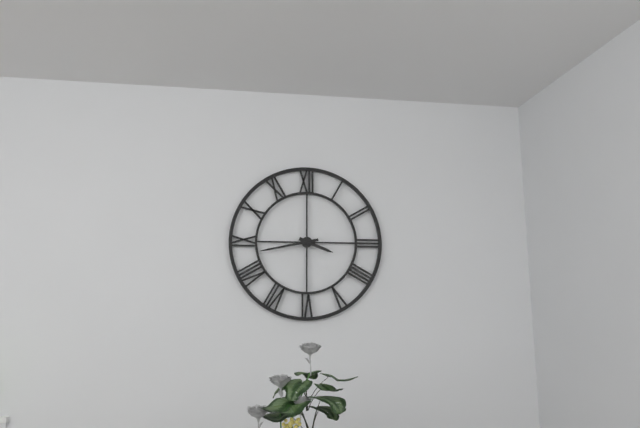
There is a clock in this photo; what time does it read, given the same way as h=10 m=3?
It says h=3 m=43
